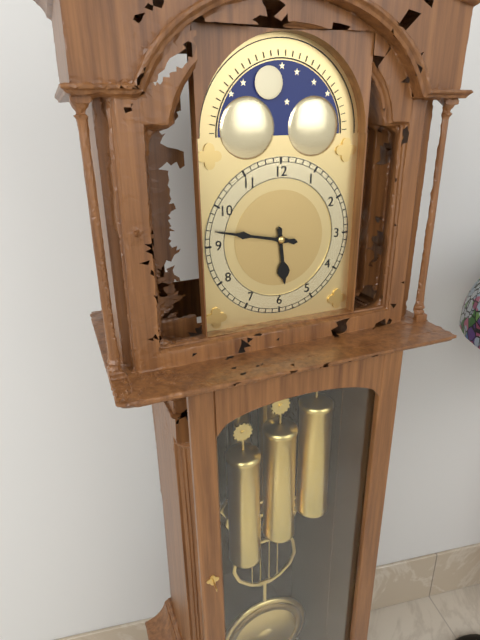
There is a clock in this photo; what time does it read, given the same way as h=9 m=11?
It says h=5 m=47
